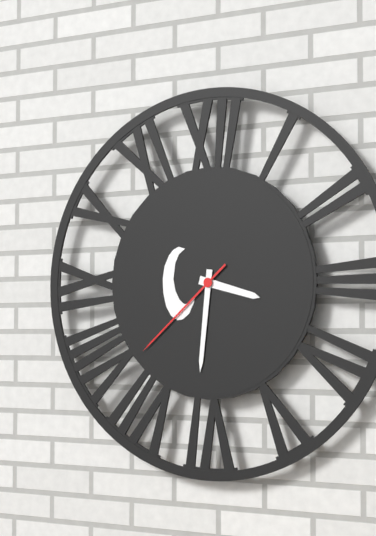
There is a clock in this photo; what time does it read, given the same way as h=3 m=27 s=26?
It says h=3 m=31 s=38
